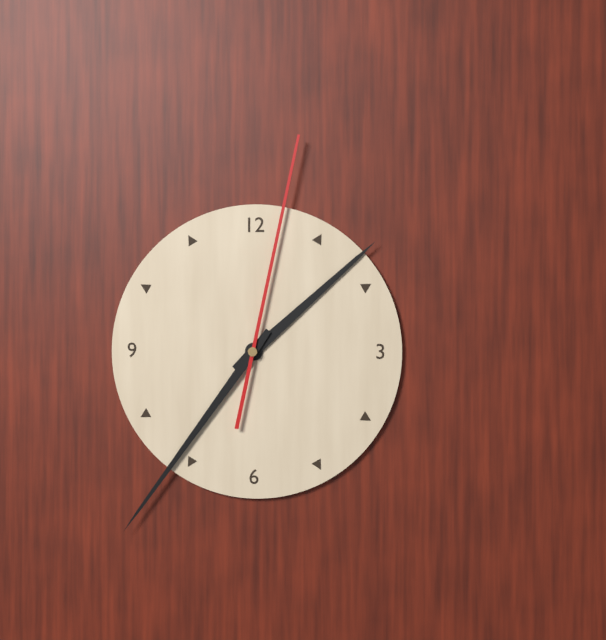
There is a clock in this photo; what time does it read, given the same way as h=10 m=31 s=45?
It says h=1 m=36 s=2
